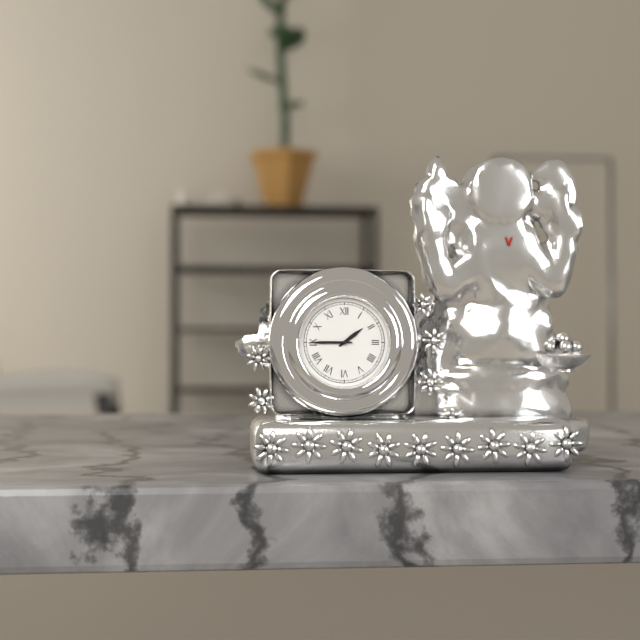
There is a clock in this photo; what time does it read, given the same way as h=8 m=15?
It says h=1 m=45
